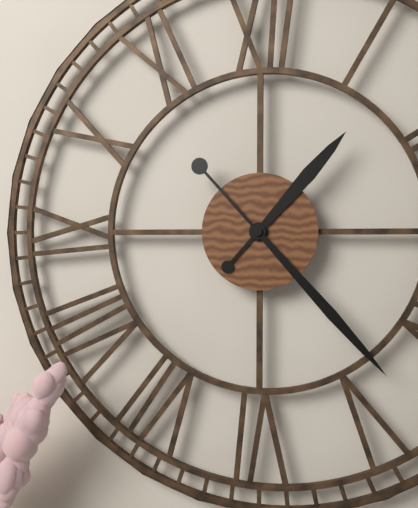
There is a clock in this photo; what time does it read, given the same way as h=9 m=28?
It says h=1 m=23
